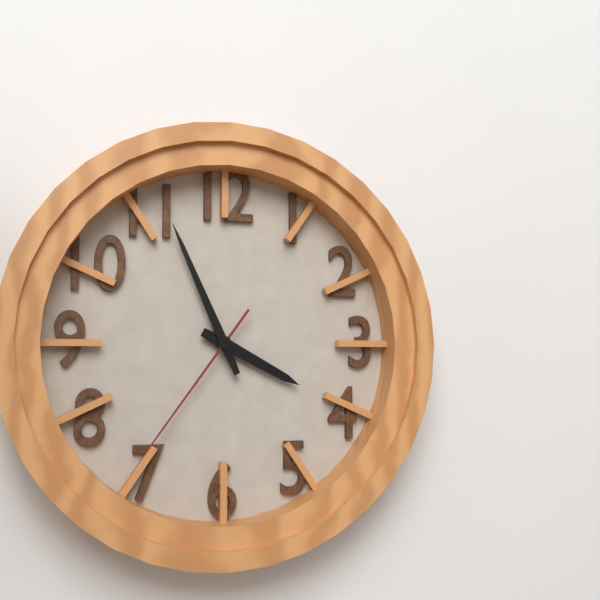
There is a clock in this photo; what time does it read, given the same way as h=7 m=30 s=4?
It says h=3 m=56 s=36
